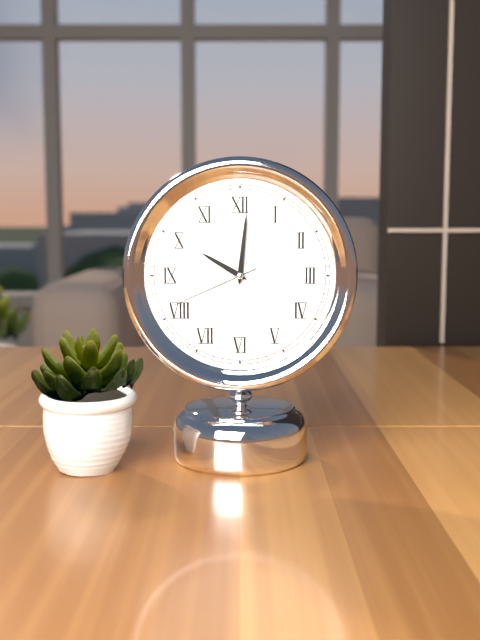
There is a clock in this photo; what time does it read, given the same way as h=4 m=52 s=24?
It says h=10 m=1 s=41
